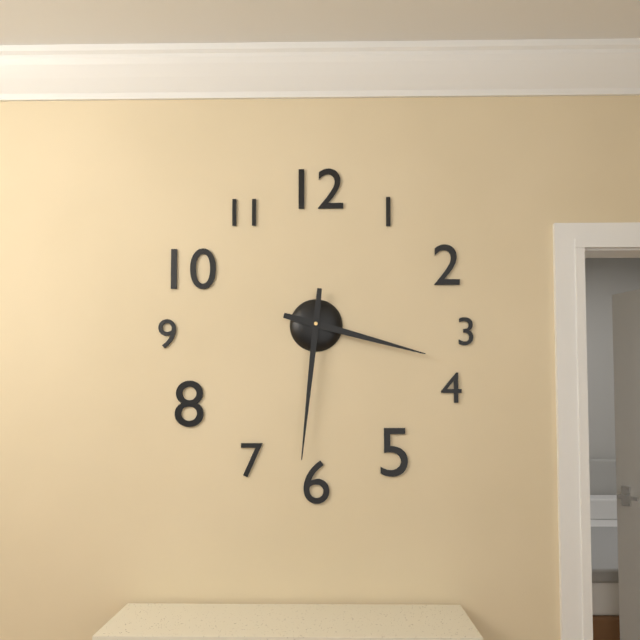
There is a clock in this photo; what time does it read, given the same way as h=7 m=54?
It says h=3 m=31
